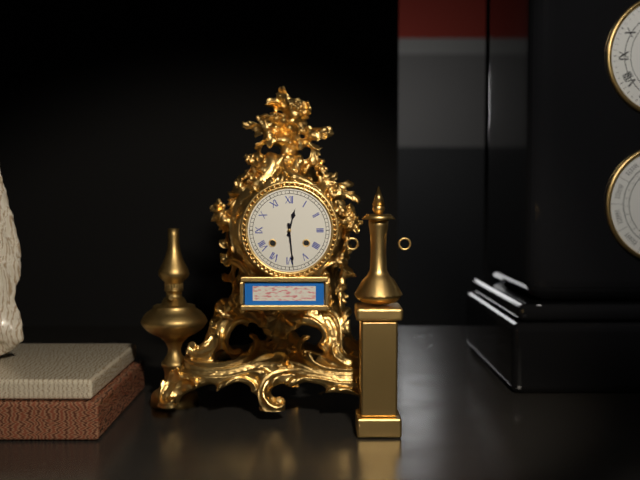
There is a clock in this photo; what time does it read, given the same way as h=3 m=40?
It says h=12 m=29
